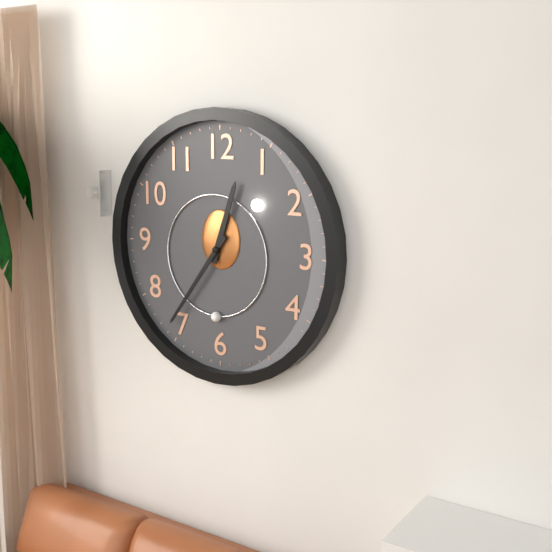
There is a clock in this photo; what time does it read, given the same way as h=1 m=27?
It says h=12 m=36
